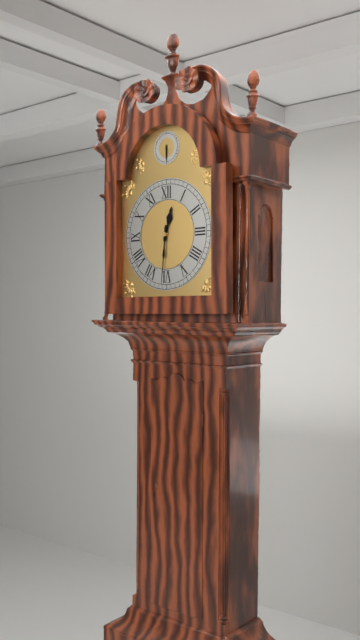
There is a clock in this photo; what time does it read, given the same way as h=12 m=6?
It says h=12 m=31
